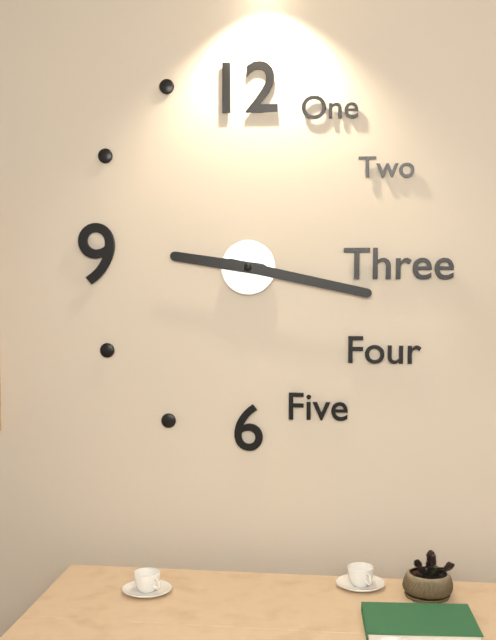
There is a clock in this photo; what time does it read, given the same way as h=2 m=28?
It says h=9 m=17
